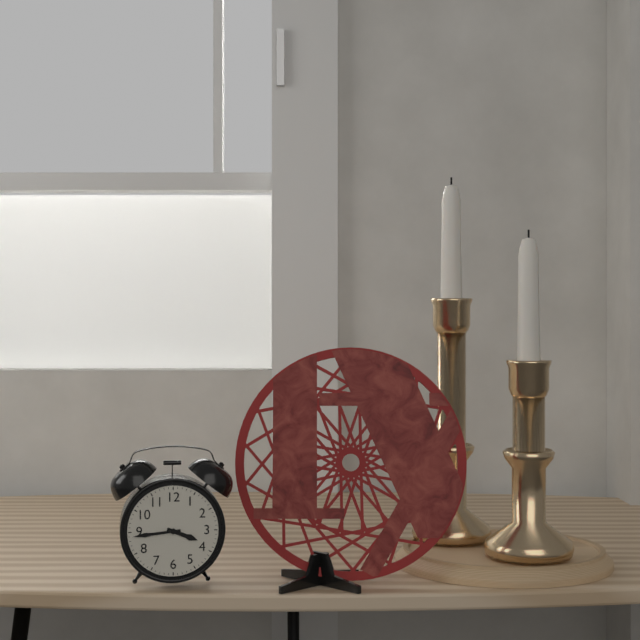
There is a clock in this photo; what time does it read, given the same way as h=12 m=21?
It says h=3 m=44
